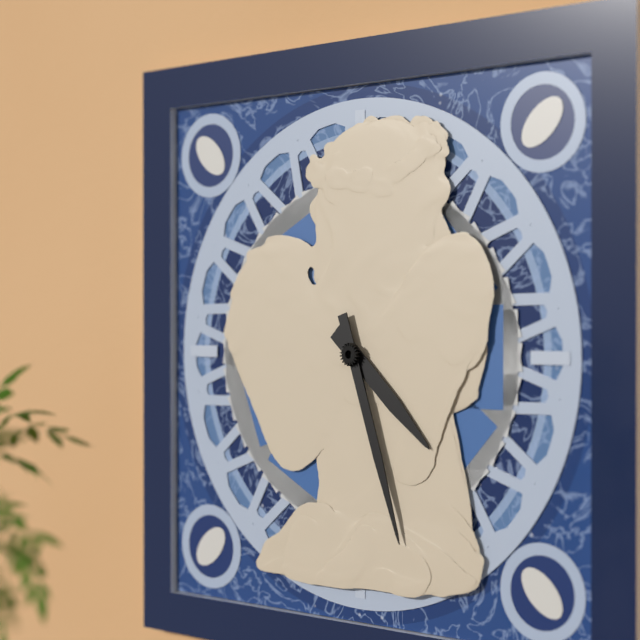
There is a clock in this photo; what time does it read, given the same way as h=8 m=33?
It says h=4 m=27
